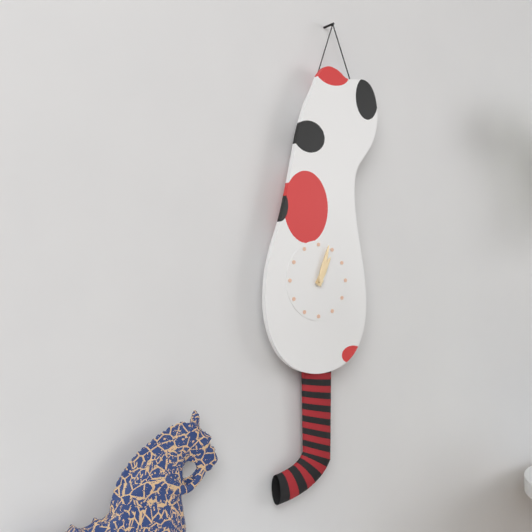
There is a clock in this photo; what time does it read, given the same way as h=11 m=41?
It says h=1 m=3
